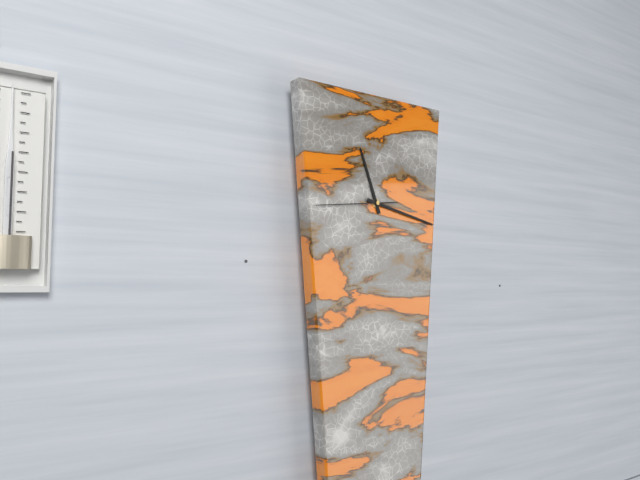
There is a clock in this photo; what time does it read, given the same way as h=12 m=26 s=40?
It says h=11 m=17 s=44
